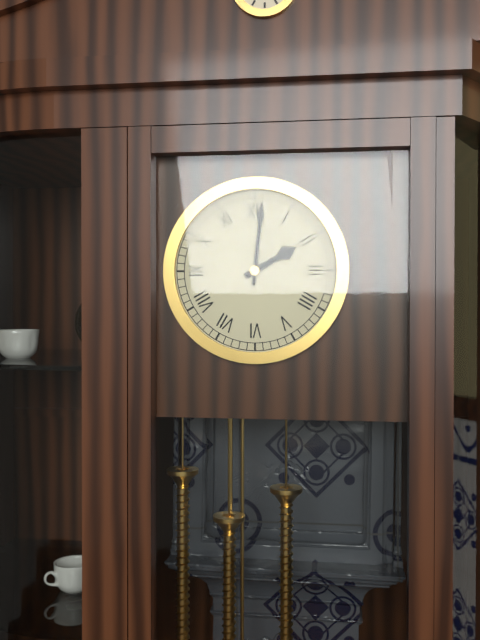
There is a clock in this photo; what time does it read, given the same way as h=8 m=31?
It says h=2 m=1
